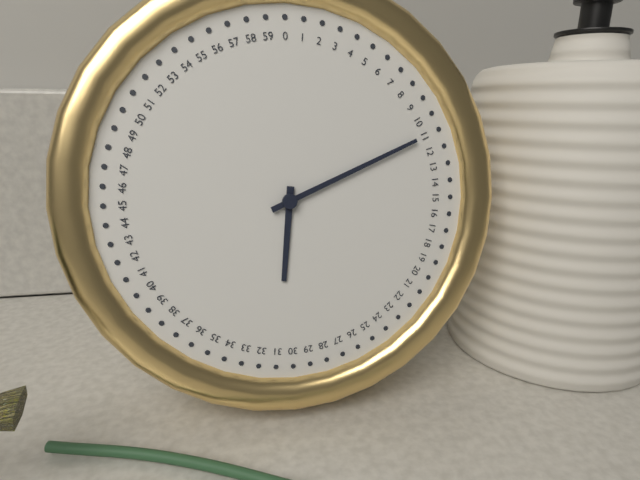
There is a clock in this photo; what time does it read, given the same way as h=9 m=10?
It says h=6 m=11
